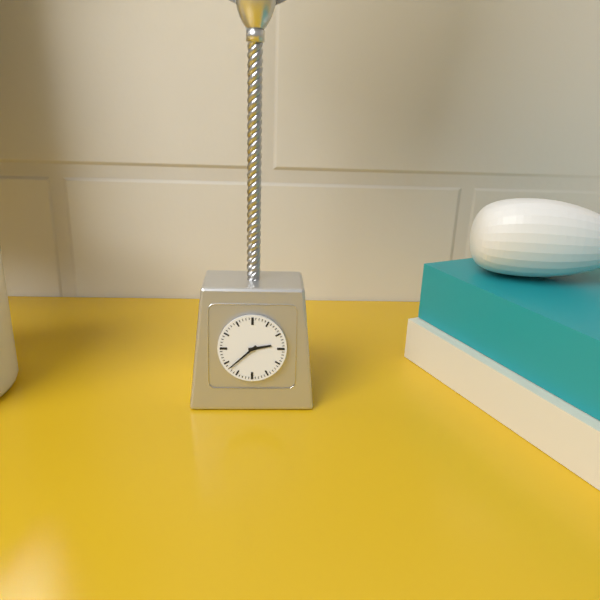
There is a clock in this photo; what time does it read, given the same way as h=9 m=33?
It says h=2 m=38
